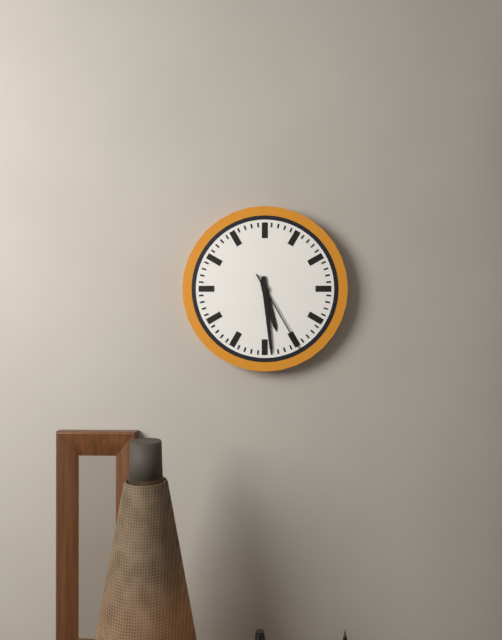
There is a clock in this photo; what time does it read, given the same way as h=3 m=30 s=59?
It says h=5 m=29 s=25
